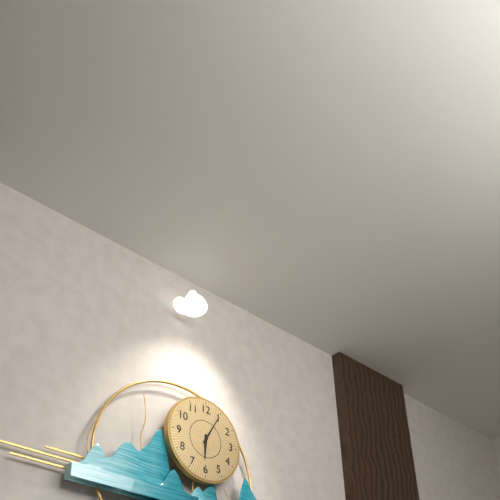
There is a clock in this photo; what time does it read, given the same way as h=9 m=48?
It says h=6 m=5
